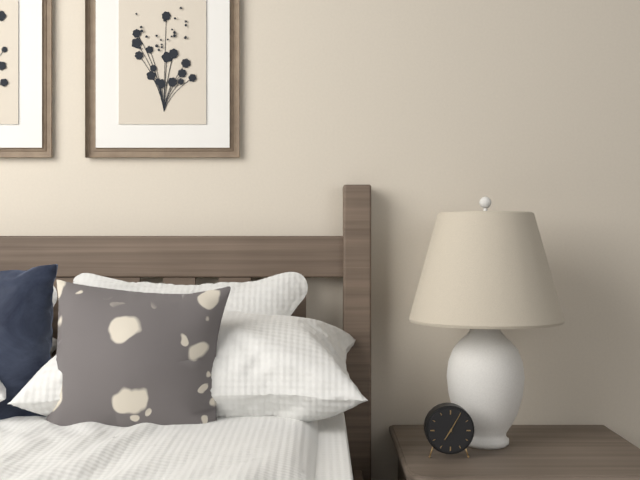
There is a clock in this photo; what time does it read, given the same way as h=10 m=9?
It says h=7 m=5
